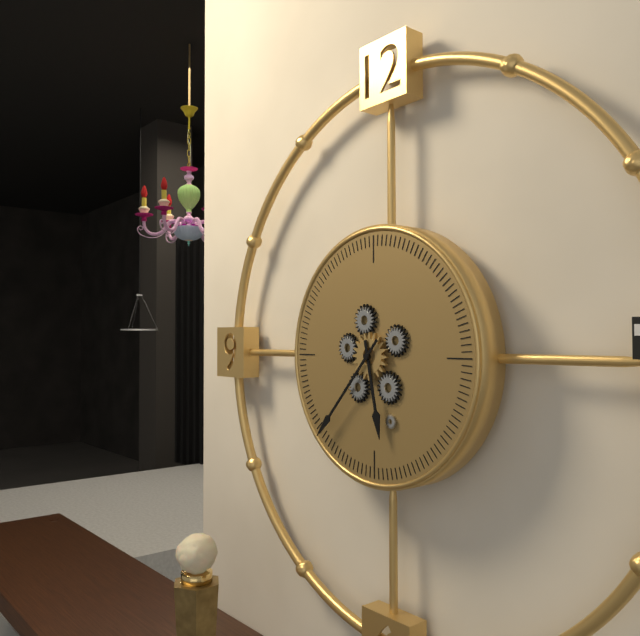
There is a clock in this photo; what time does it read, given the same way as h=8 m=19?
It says h=5 m=37
